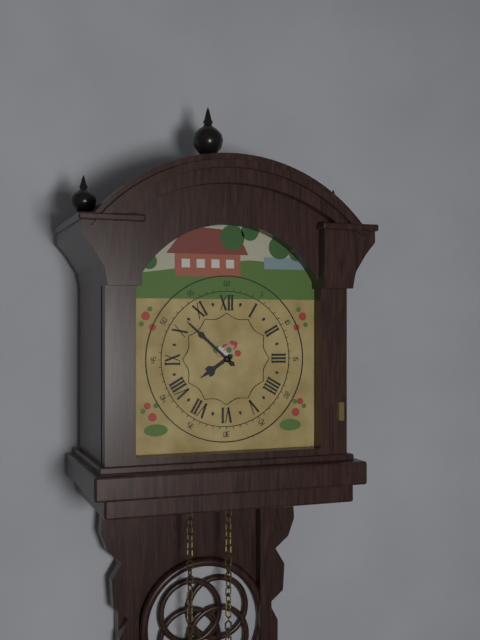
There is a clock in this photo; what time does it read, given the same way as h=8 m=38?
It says h=7 m=52
